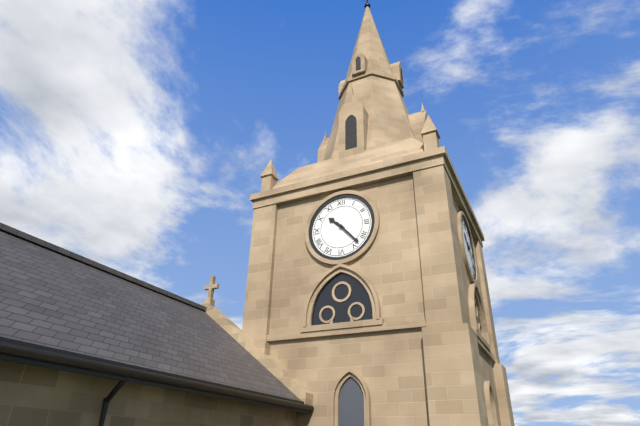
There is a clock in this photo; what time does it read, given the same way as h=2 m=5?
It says h=10 m=23
